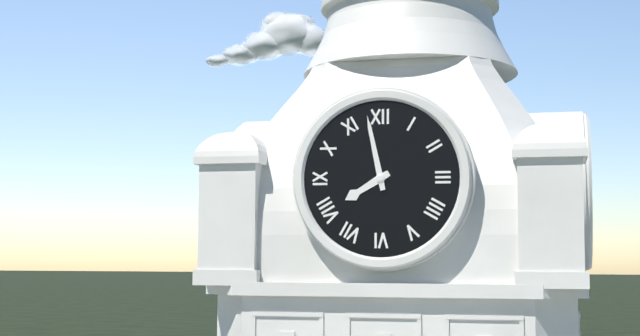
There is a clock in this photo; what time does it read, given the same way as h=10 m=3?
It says h=7 m=58
